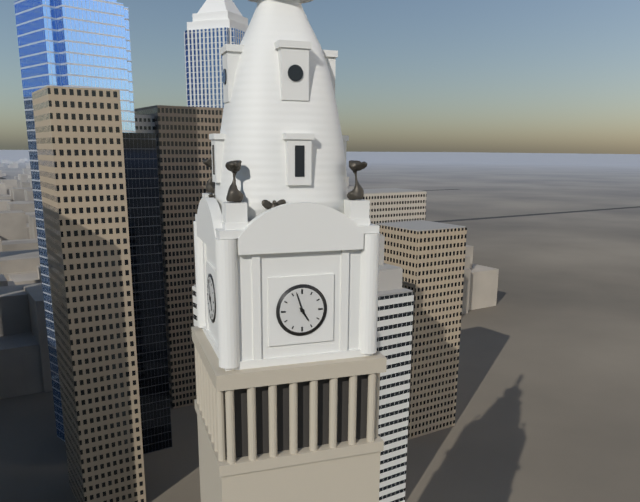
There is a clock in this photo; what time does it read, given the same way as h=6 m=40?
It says h=4 m=57
